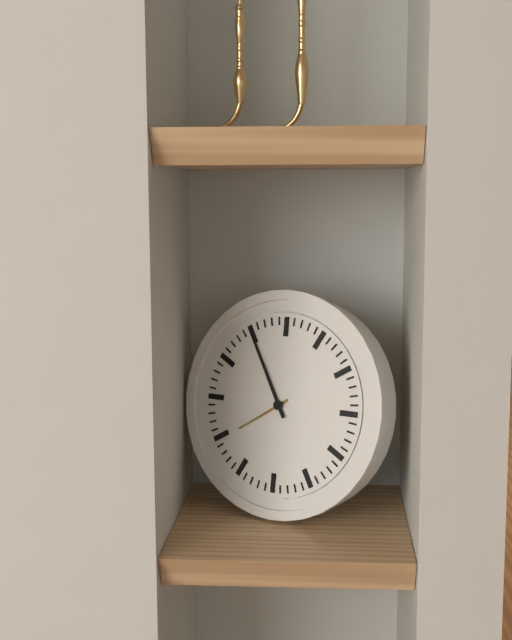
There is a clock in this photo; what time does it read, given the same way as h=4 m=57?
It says h=7 m=55
